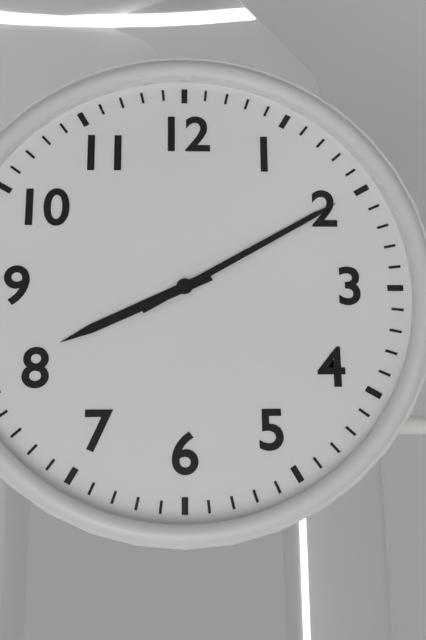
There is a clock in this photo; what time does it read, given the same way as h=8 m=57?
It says h=8 m=10
